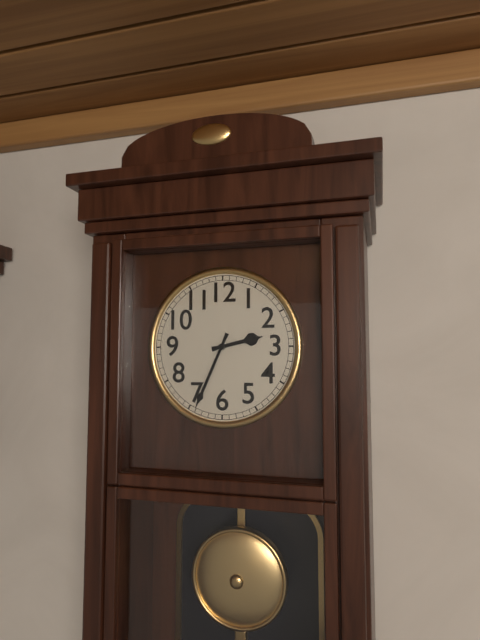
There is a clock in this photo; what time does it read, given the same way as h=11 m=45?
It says h=2 m=34
